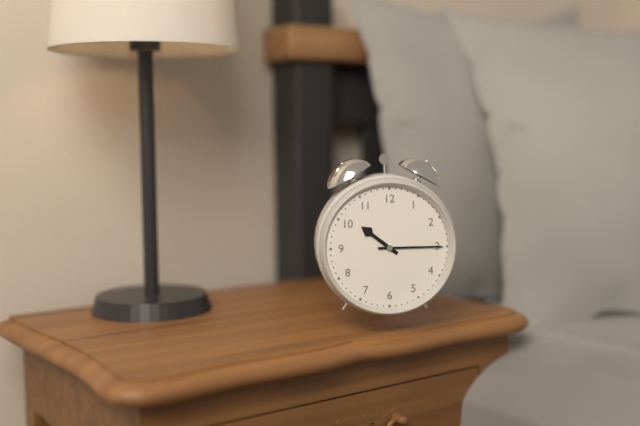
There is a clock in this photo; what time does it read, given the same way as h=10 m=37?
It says h=10 m=15
